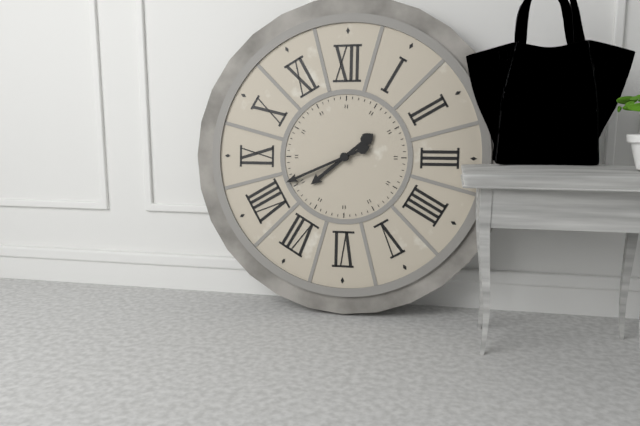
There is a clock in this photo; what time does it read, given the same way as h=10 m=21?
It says h=7 m=41
